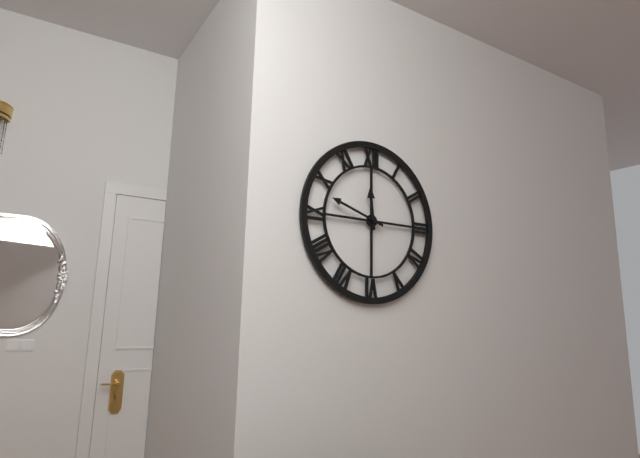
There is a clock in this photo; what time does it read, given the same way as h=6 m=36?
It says h=11 m=48
